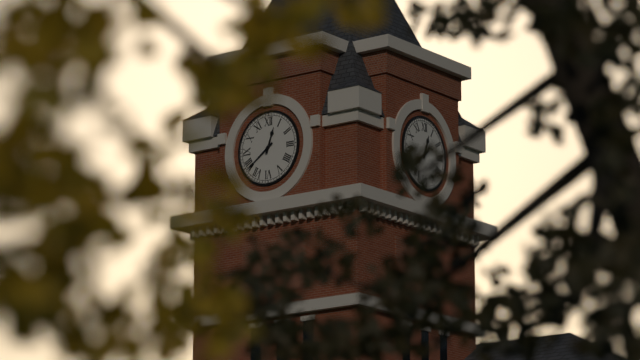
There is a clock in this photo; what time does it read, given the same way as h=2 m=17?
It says h=12 m=39
